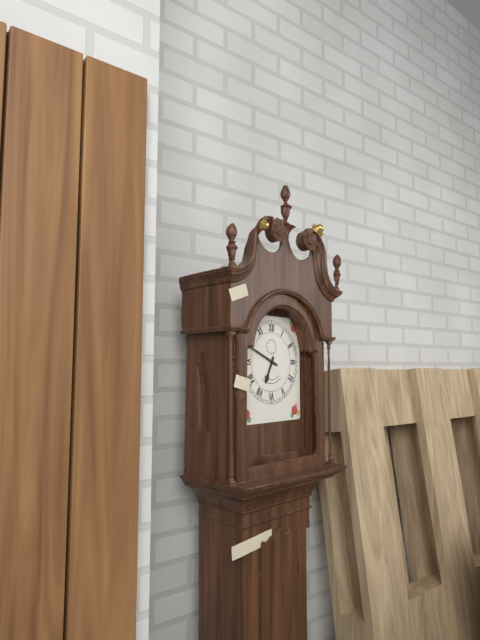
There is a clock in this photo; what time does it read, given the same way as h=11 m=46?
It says h=6 m=49
